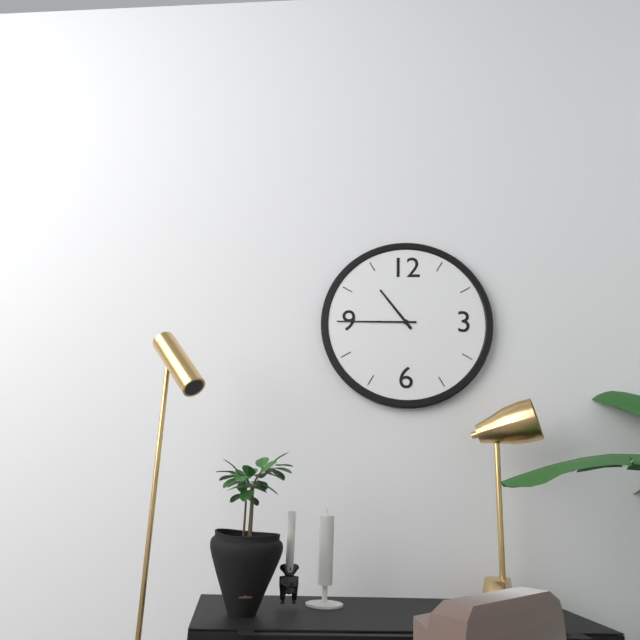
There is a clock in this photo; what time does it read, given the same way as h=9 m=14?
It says h=10 m=45
